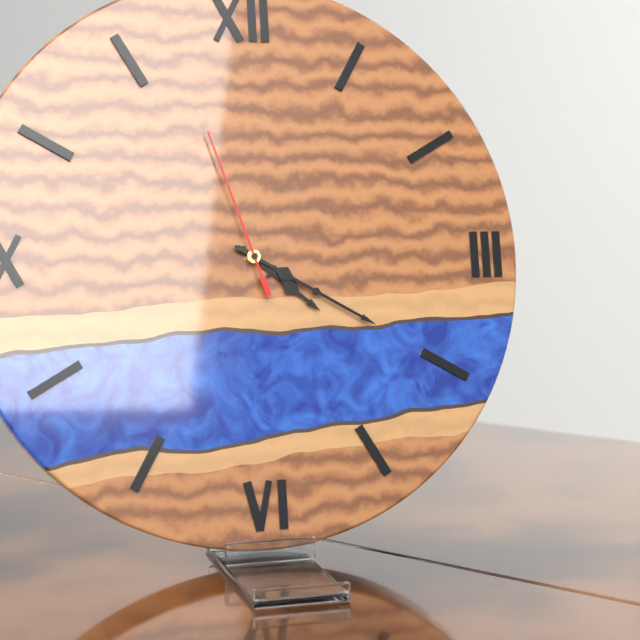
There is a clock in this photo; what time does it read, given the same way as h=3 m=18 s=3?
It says h=4 m=20 s=57
